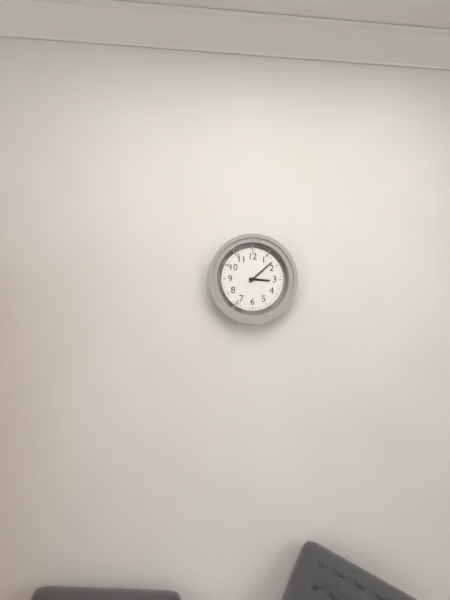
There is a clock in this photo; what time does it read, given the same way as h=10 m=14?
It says h=3 m=8
